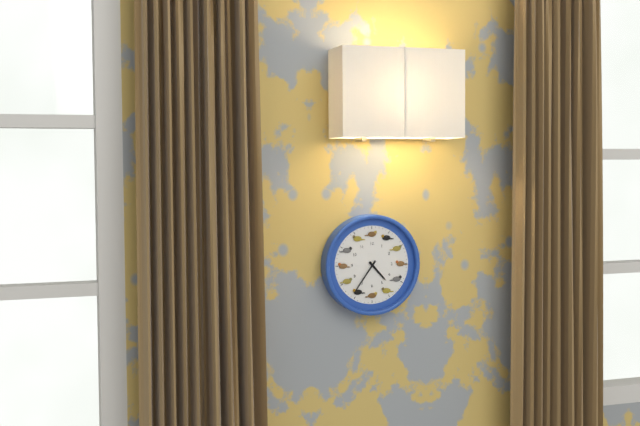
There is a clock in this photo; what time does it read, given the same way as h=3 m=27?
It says h=4 m=36
